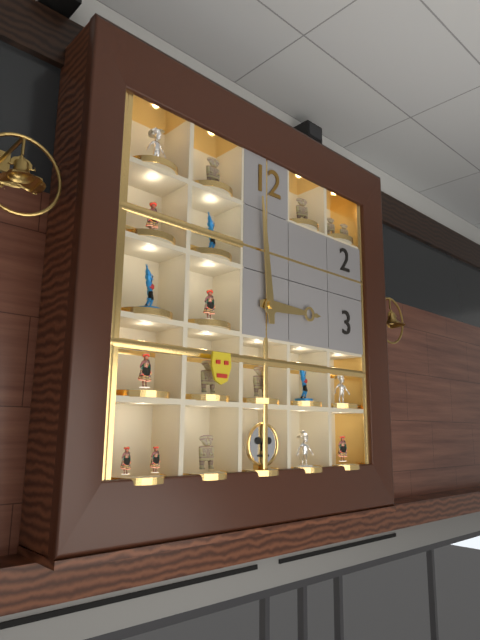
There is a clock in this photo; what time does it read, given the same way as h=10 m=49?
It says h=2 m=59
